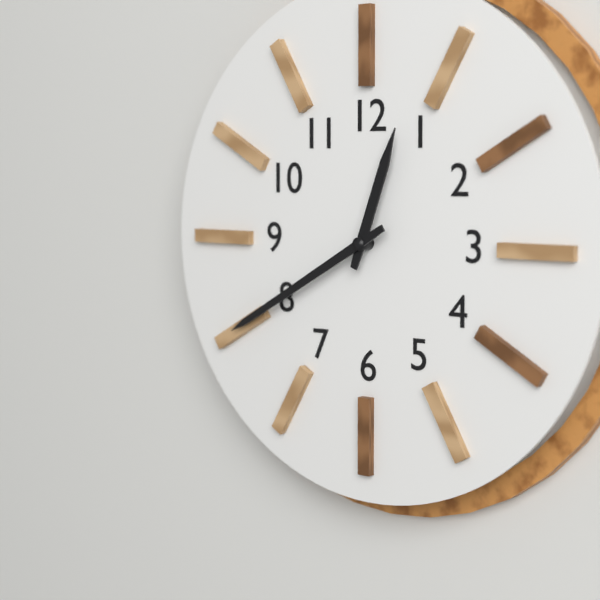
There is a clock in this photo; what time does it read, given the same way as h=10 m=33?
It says h=12 m=40
